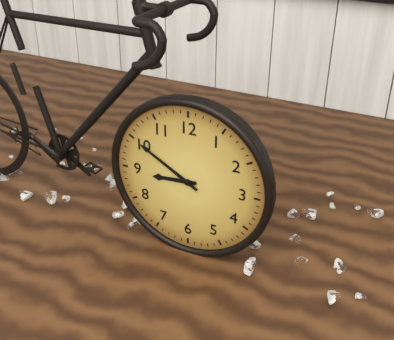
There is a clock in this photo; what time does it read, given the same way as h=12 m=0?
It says h=8 m=50
